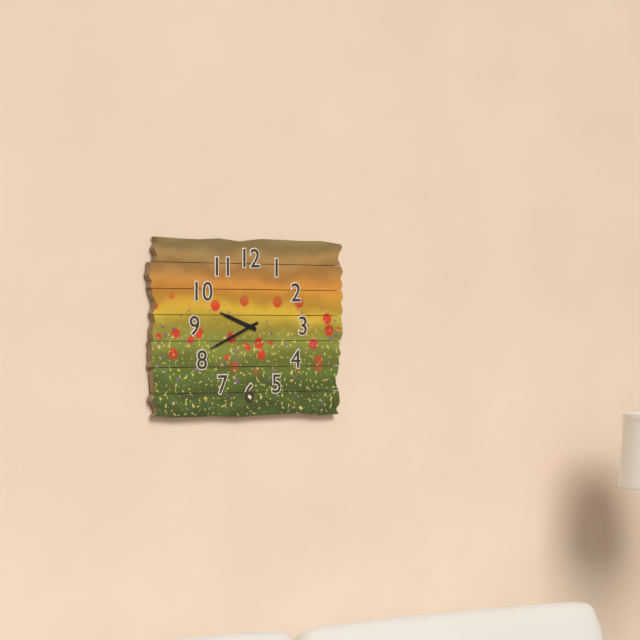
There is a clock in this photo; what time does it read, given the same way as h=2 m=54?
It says h=9 m=41
